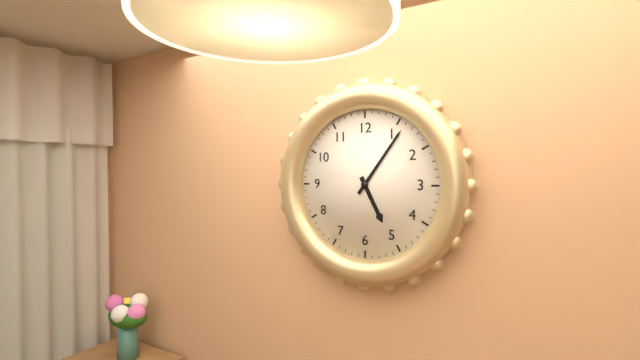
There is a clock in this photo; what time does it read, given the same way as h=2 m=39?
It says h=5 m=6
